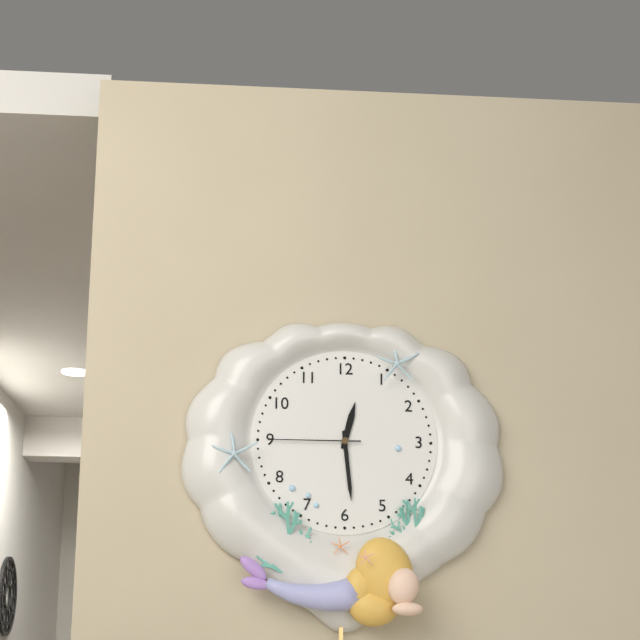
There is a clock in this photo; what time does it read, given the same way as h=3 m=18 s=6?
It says h=12 m=29 s=45
